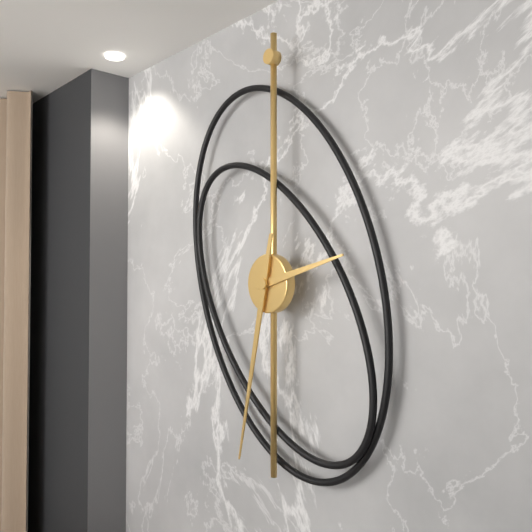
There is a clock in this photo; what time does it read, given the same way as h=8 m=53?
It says h=2 m=32
